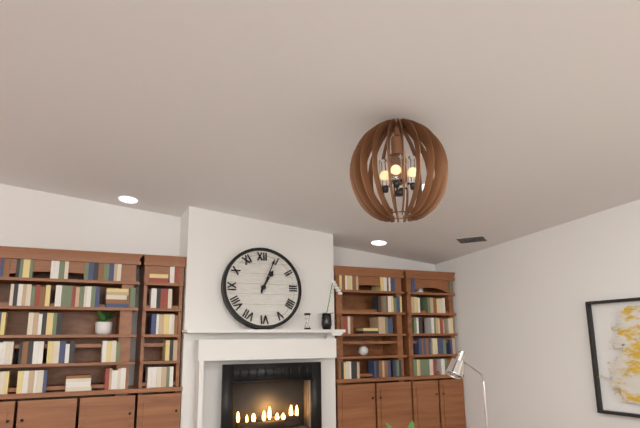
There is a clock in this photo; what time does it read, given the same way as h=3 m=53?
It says h=1 m=4
